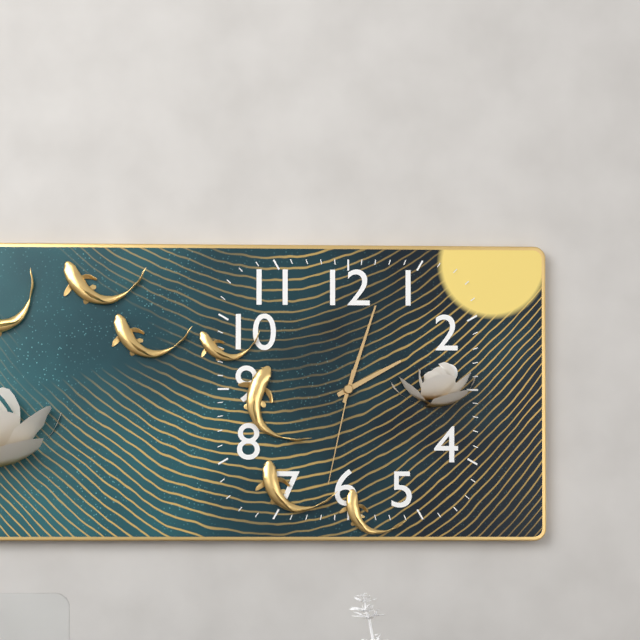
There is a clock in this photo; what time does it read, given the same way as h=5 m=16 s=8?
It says h=2 m=3 s=32
